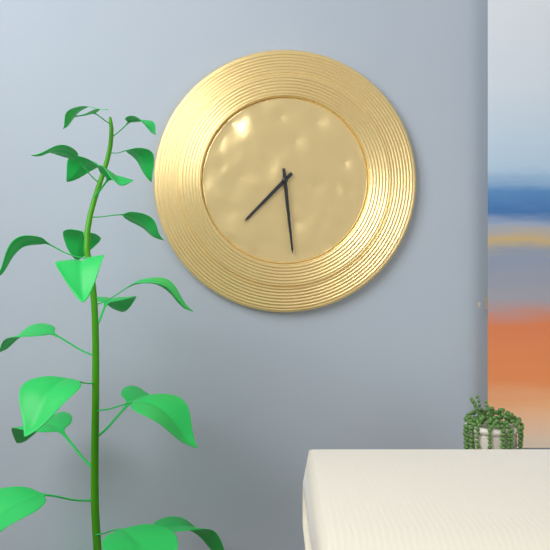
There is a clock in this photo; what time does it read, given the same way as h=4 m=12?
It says h=7 m=29
